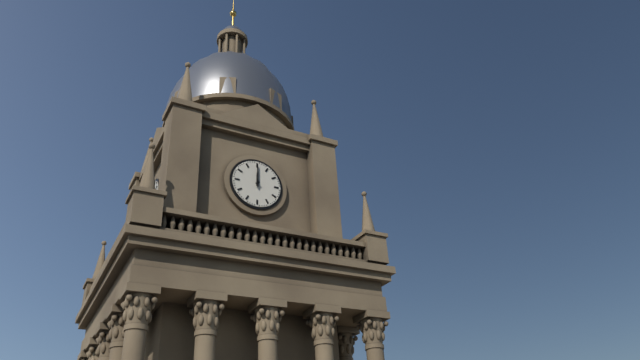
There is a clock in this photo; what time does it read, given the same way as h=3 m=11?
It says h=12 m=0
